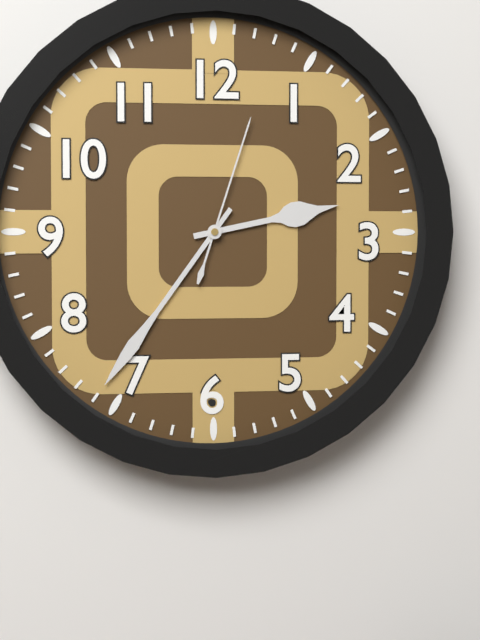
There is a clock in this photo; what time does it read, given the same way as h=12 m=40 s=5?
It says h=2 m=36 s=3
